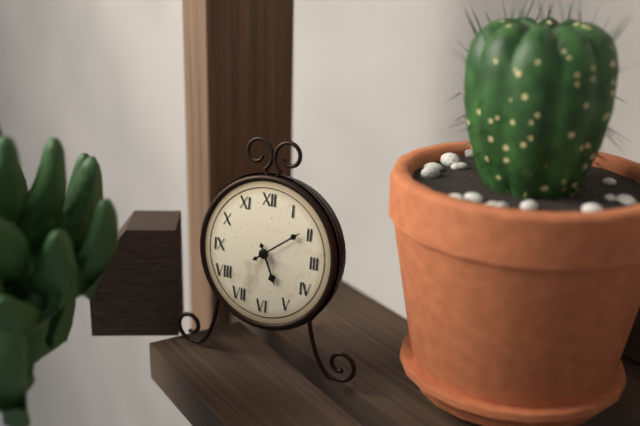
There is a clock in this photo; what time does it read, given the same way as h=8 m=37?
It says h=5 m=9
